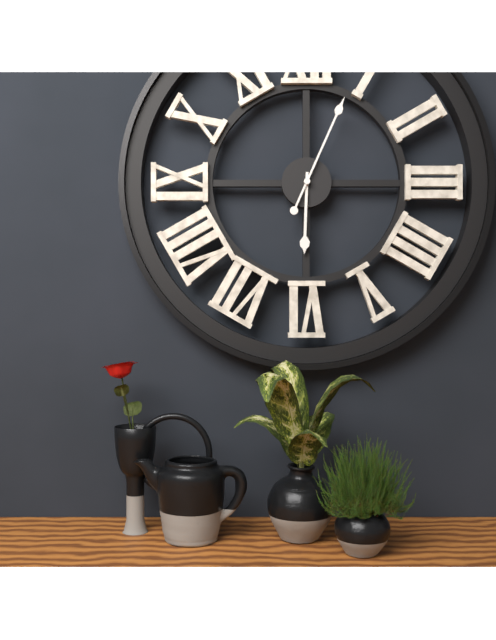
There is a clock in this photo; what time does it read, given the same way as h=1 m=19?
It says h=6 m=4
